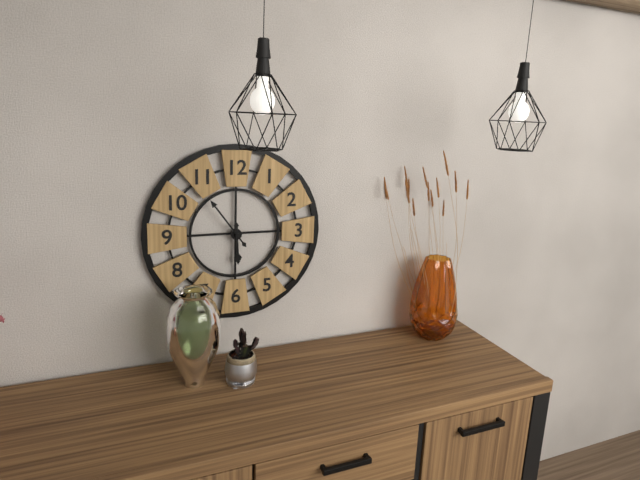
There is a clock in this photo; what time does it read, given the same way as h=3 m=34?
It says h=5 m=54
